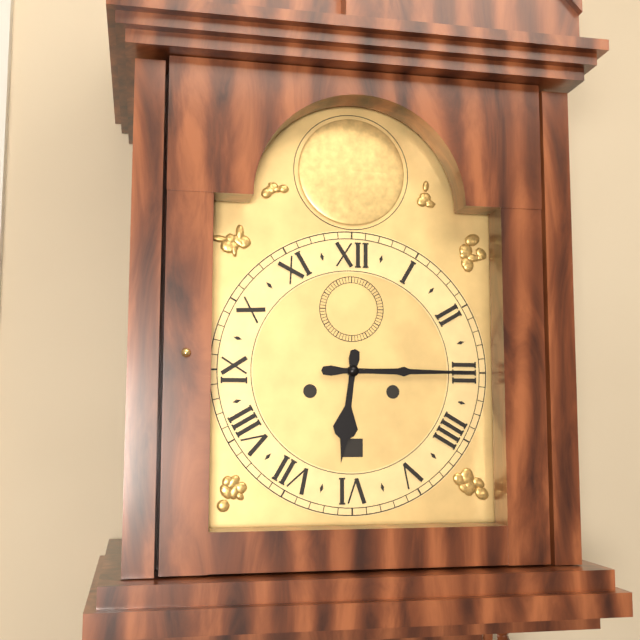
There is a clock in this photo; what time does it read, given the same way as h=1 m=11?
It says h=6 m=15
